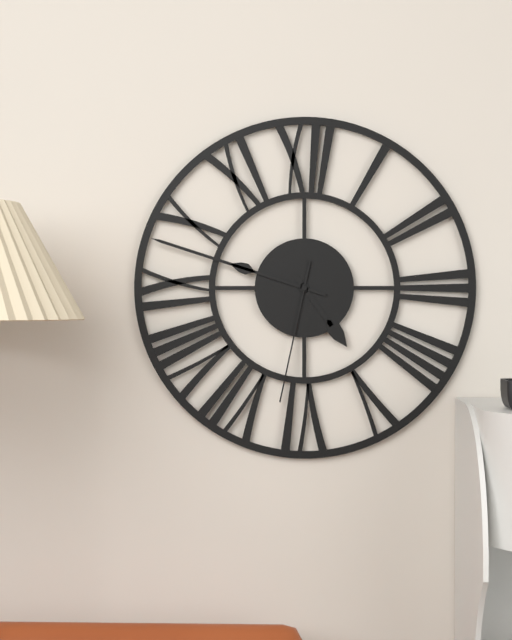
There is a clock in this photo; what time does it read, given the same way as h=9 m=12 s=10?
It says h=4 m=48 s=32
